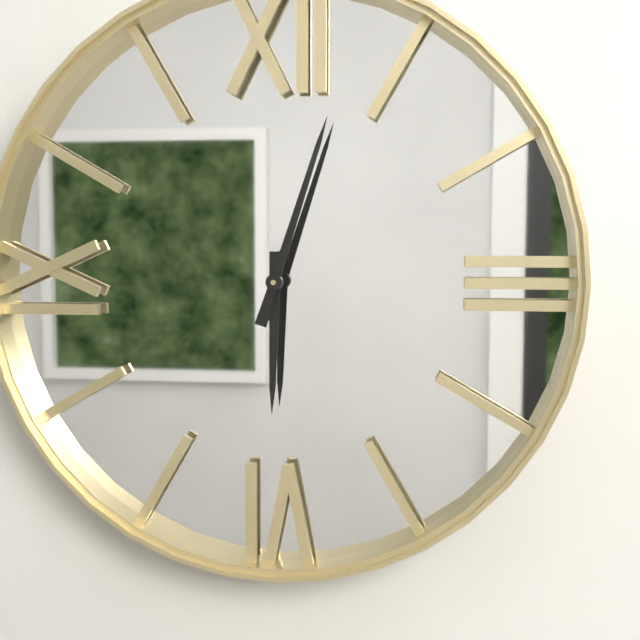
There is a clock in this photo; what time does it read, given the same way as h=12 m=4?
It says h=6 m=3
